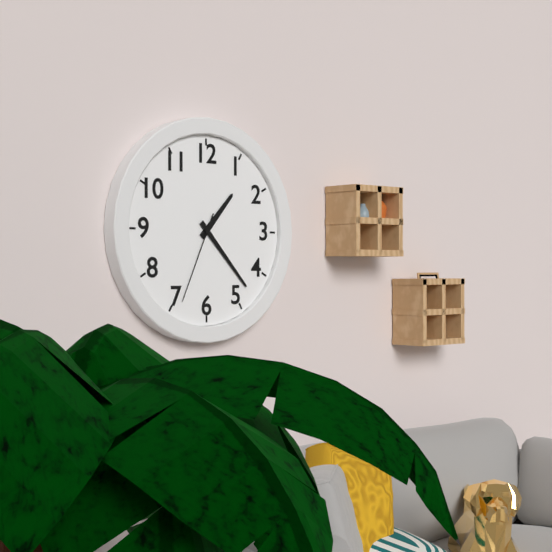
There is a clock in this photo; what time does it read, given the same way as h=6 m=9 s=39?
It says h=1 m=23 s=34
